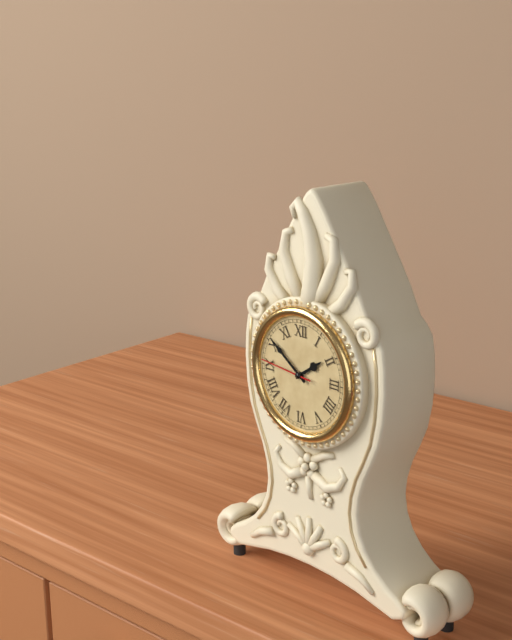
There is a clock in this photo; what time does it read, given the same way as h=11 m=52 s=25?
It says h=1 m=51 s=46
